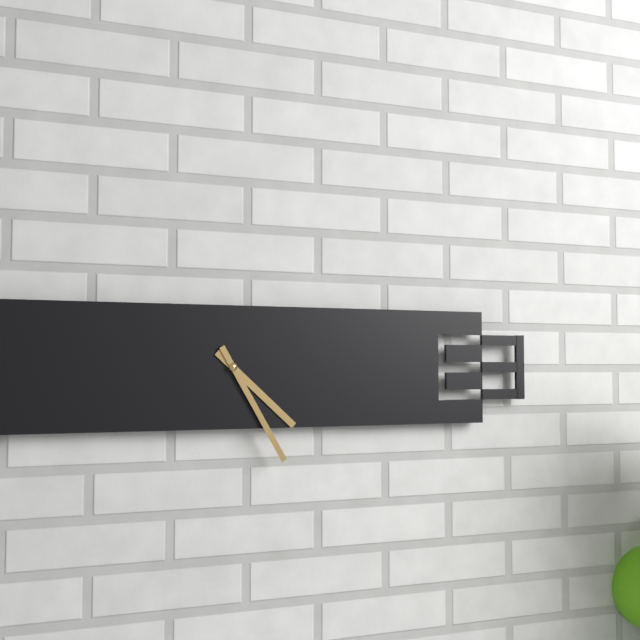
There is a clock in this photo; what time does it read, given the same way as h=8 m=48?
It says h=4 m=25
